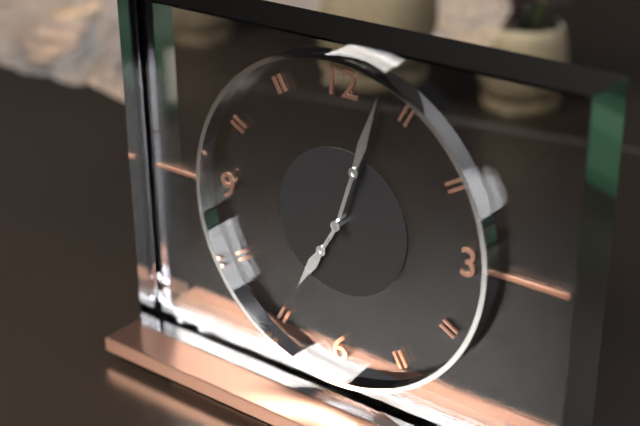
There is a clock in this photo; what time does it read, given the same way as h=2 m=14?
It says h=7 m=3
